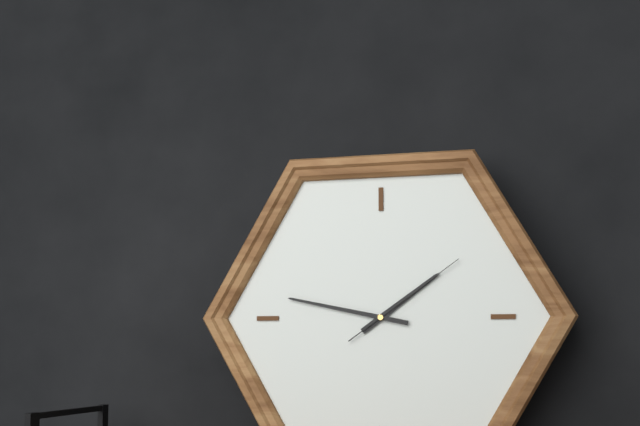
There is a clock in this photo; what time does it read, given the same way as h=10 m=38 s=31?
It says h=1 m=47 s=9
